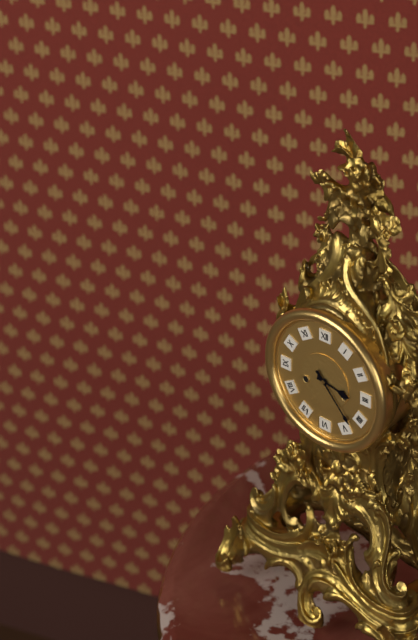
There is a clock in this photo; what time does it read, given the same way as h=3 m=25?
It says h=3 m=23
